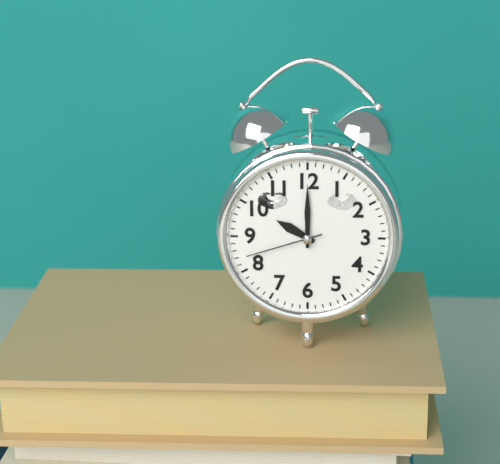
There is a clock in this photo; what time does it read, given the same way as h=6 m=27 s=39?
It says h=10 m=0 s=42
